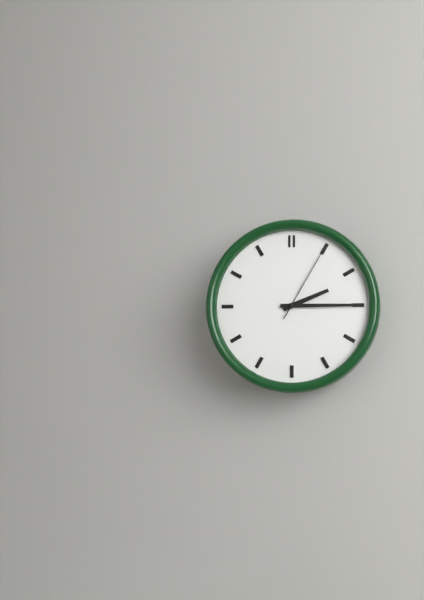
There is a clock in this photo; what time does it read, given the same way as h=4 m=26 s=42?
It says h=2 m=15 s=5
